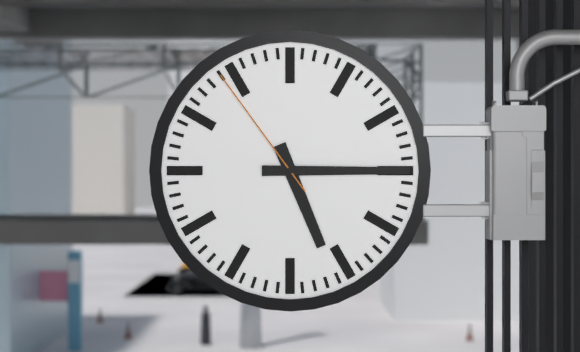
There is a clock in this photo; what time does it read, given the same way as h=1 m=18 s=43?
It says h=5 m=15 s=54
